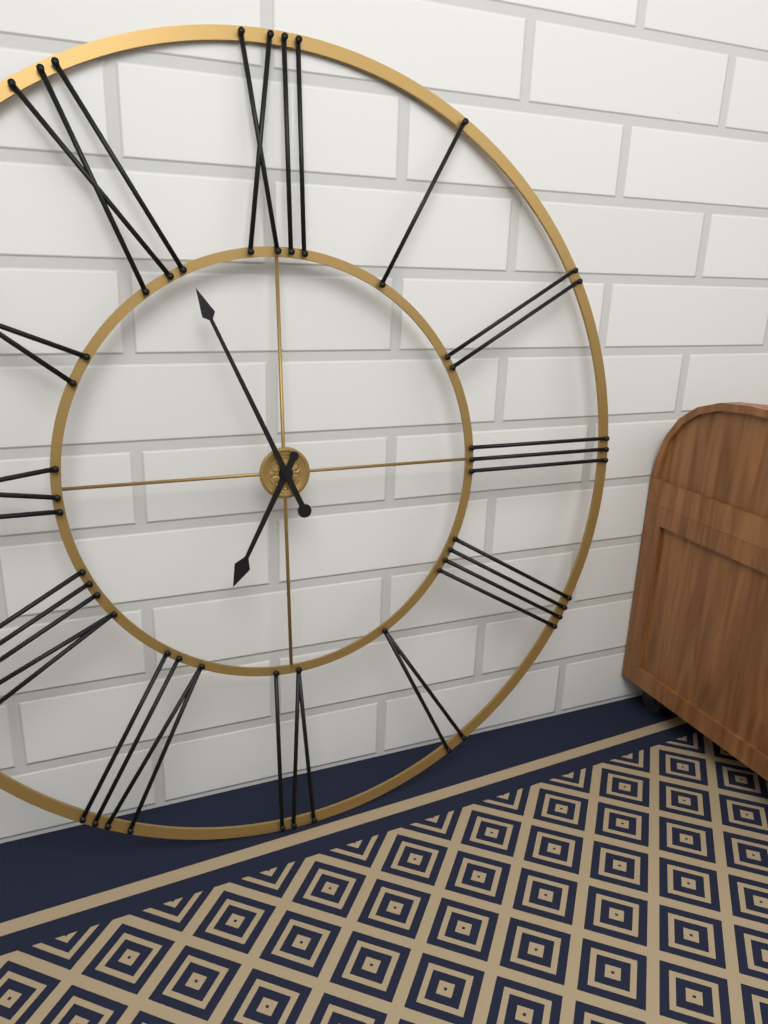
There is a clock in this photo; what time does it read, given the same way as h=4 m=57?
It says h=6 m=56
